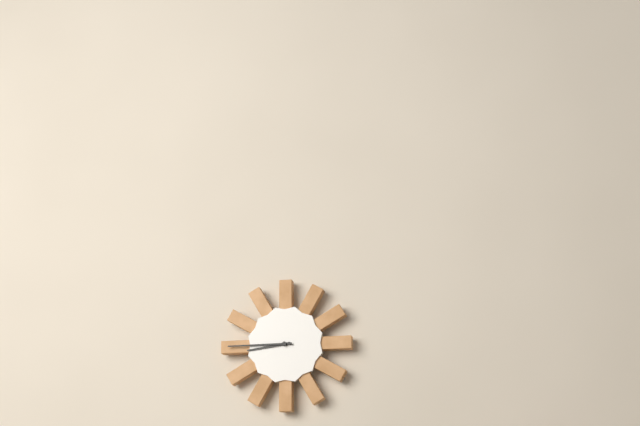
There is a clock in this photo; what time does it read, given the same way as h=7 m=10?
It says h=8 m=45
